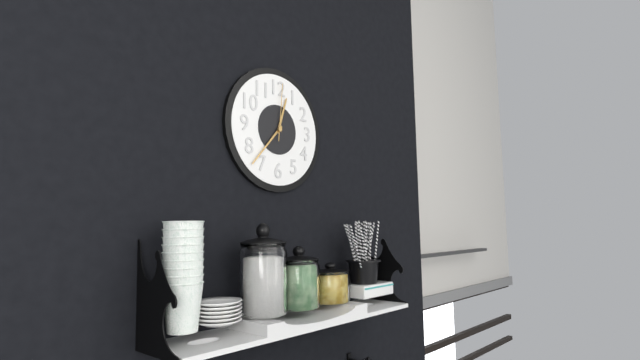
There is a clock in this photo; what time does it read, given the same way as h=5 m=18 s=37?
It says h=12 m=37 s=1
